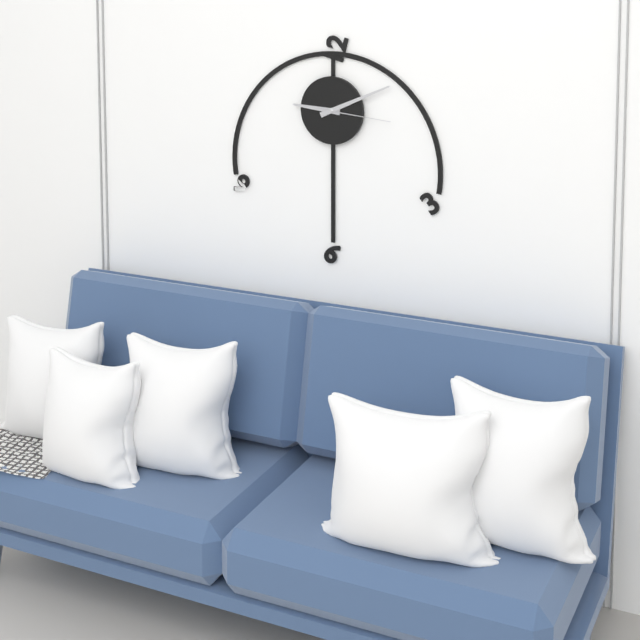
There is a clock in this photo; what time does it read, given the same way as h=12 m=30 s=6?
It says h=9 m=11 s=16
